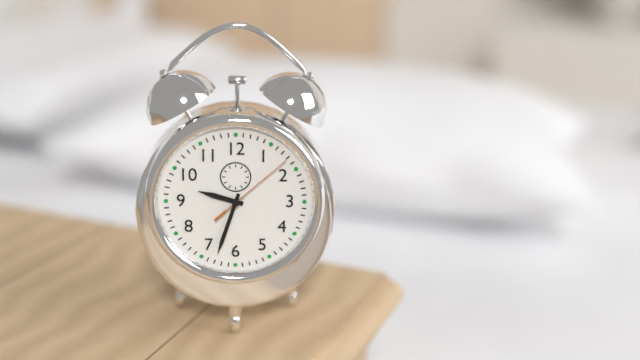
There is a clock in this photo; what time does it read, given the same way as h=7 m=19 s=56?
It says h=9 m=33 s=8
